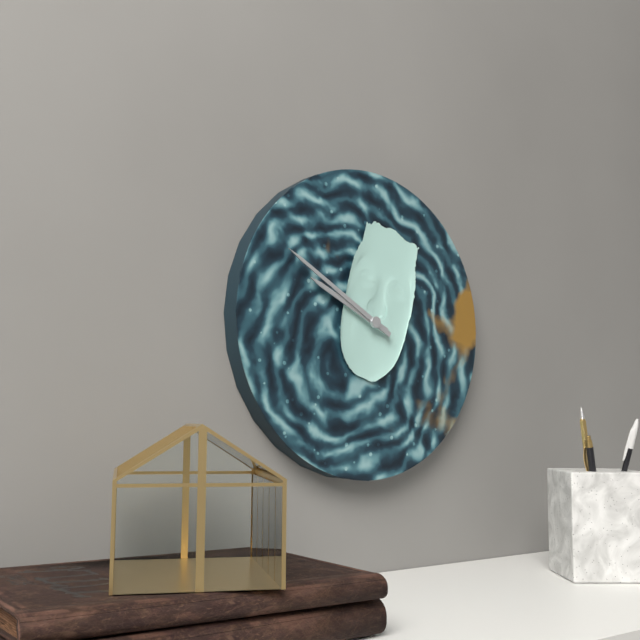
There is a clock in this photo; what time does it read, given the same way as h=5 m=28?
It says h=9 m=50
